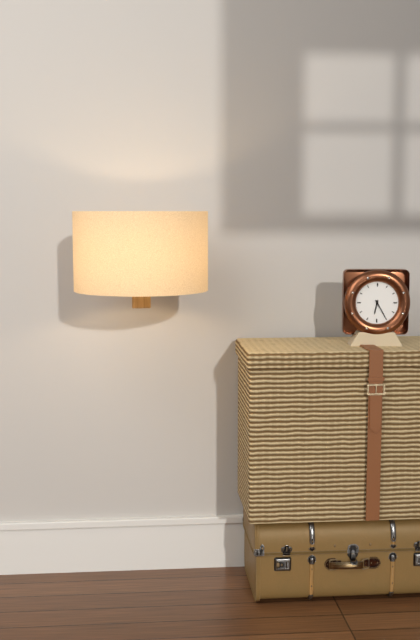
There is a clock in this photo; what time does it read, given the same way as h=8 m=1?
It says h=6 m=25
